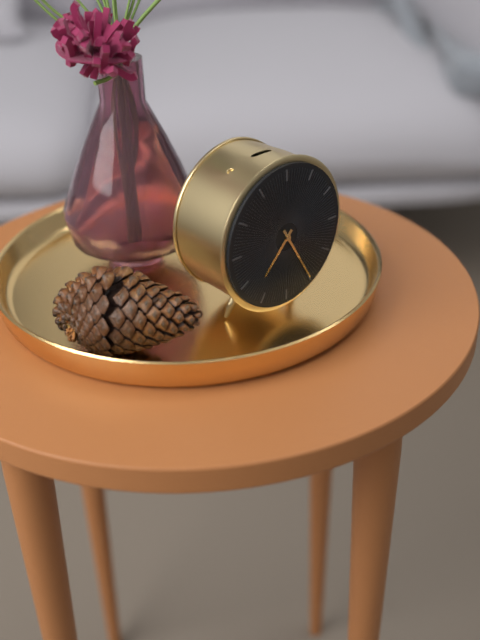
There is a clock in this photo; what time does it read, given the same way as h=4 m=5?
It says h=7 m=25
